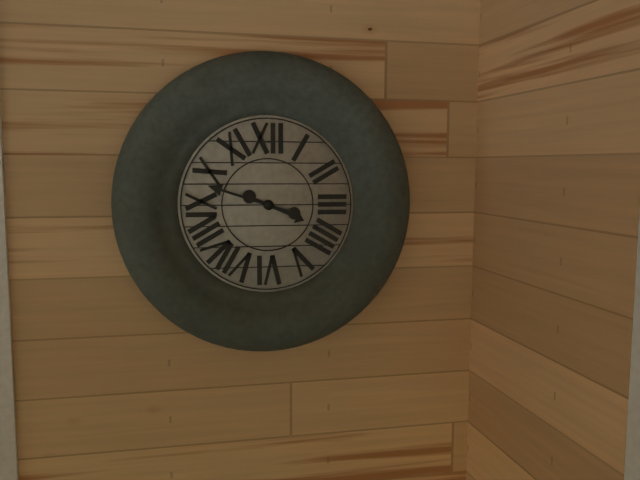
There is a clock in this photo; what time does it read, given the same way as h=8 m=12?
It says h=3 m=48
